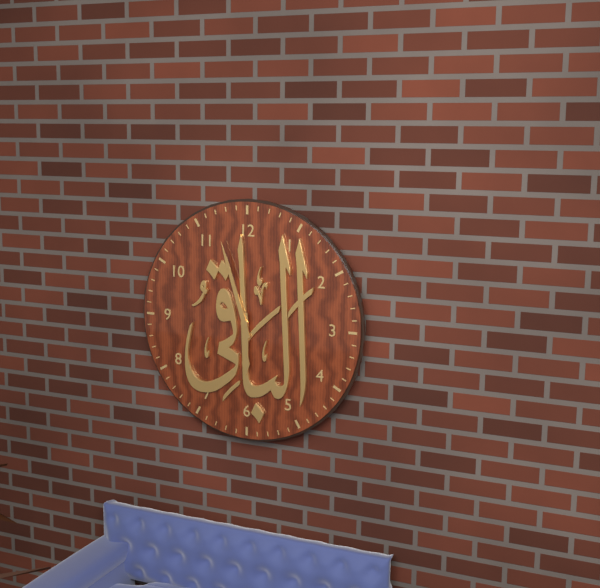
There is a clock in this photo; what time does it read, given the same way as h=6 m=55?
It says h=5 m=57
